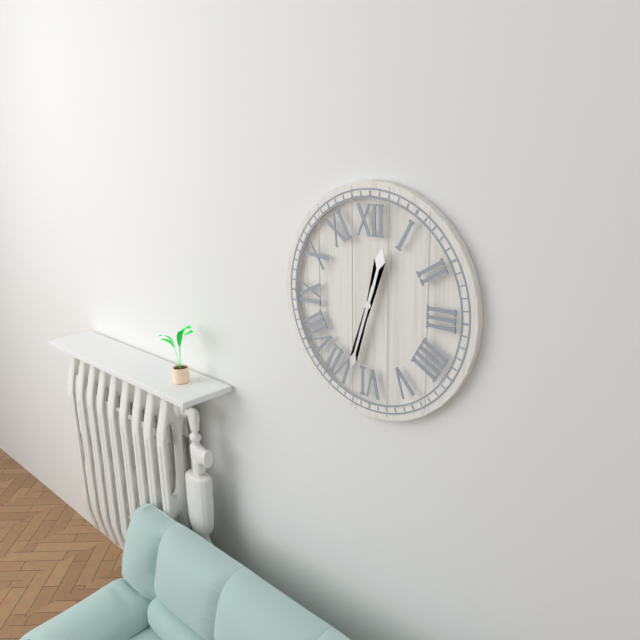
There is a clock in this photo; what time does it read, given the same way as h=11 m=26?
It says h=12 m=33
